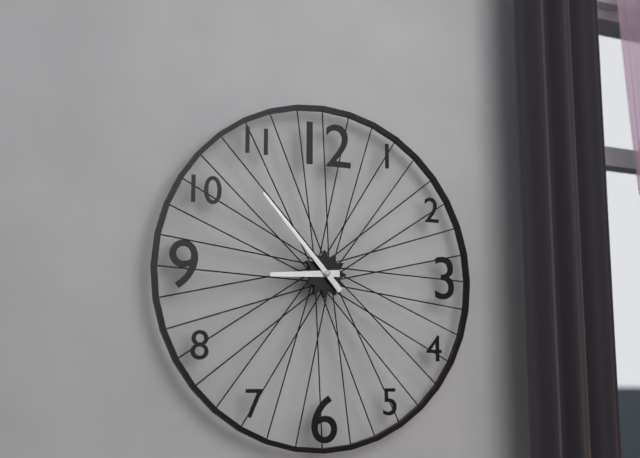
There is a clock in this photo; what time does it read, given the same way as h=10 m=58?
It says h=8 m=53
